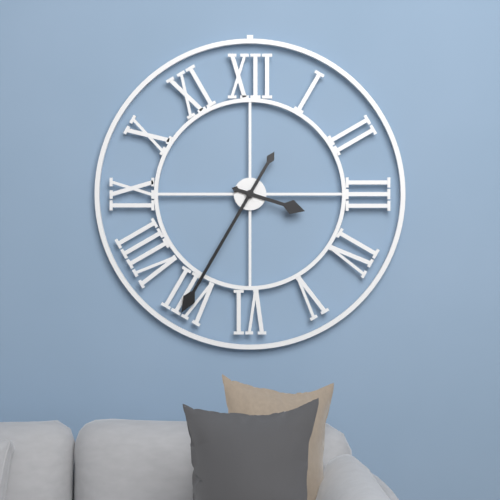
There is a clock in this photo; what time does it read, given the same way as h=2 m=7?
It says h=3 m=35
